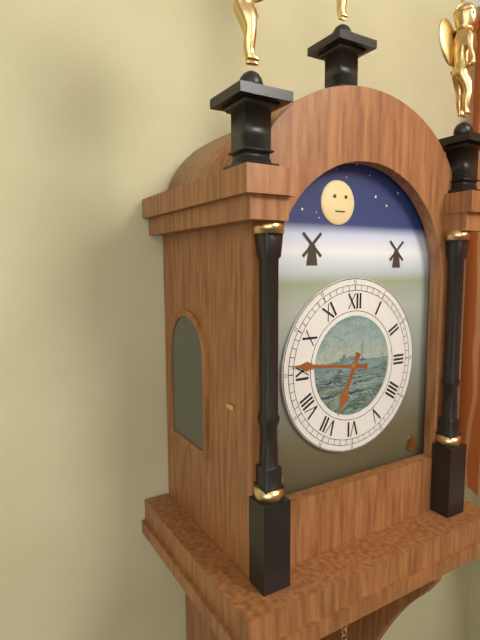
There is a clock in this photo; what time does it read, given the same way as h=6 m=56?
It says h=6 m=46
